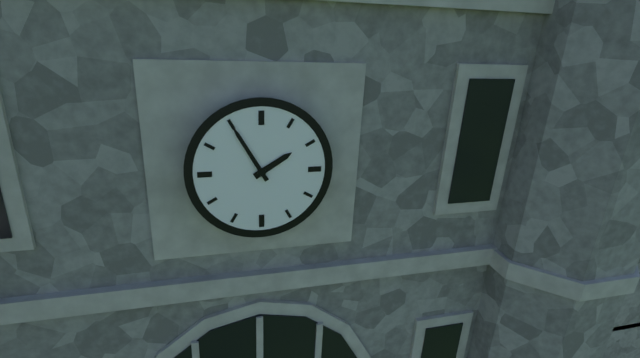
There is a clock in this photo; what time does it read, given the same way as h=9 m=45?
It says h=1 m=55
